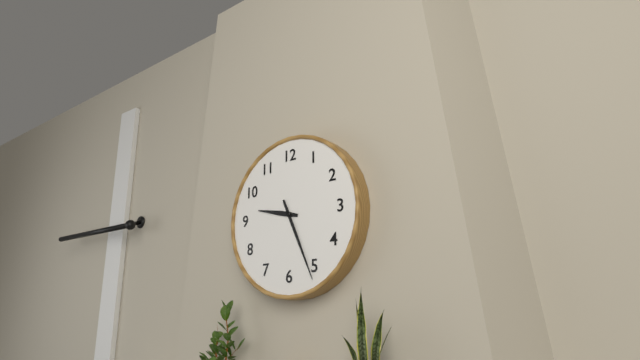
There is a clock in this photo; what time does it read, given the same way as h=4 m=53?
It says h=9 m=26
